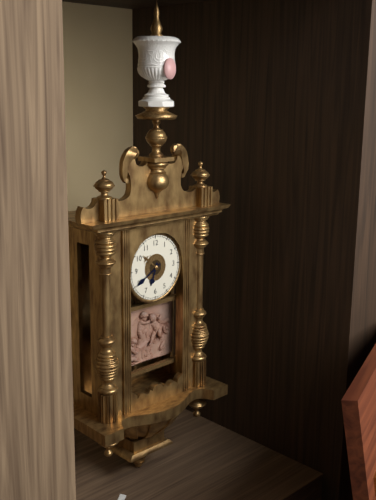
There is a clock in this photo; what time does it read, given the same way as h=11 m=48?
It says h=6 m=40
